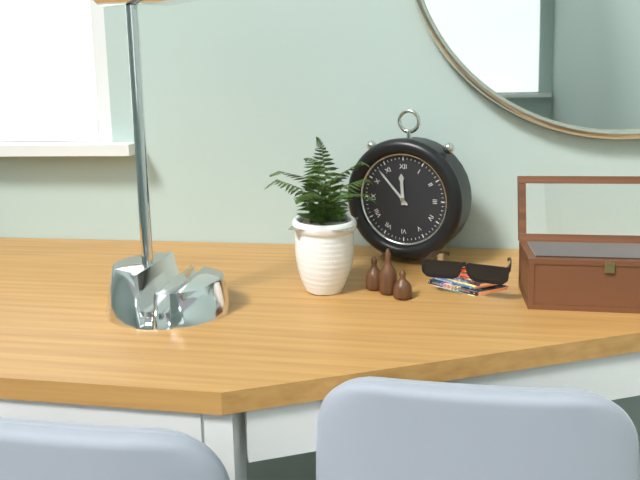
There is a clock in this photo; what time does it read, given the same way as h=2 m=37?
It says h=11 m=53
